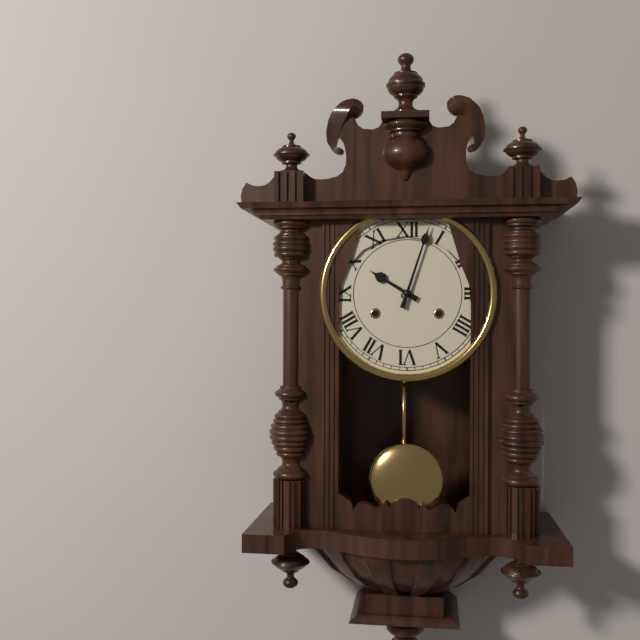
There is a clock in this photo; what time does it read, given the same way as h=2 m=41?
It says h=10 m=3
